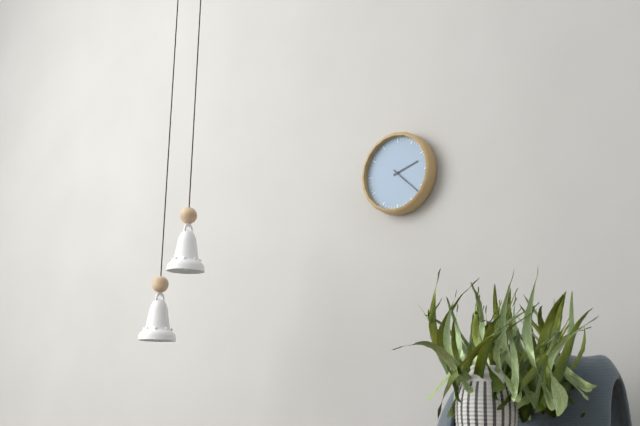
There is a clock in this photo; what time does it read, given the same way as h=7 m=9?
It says h=2 m=22
